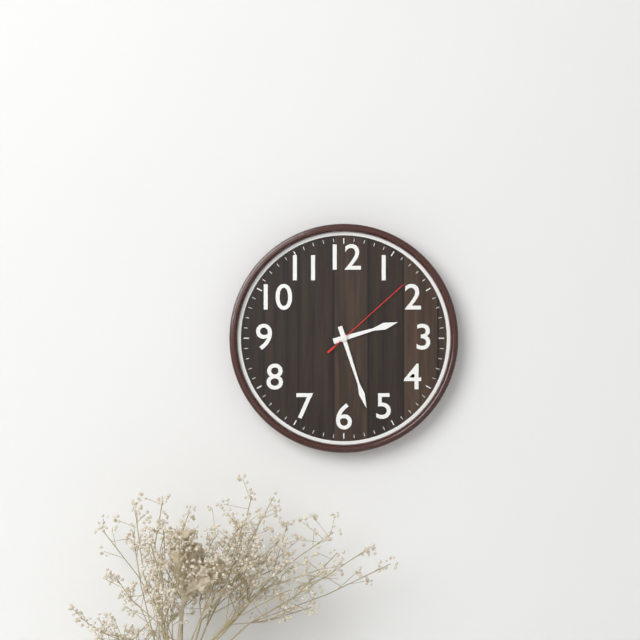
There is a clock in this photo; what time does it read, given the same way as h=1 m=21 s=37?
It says h=2 m=27 s=8
